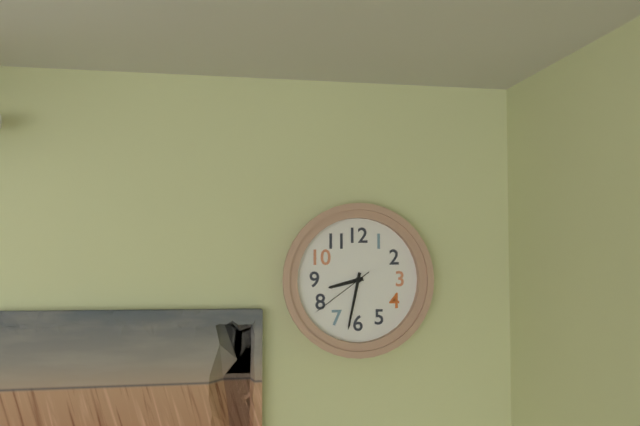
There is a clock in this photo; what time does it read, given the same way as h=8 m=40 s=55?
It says h=8 m=32 s=39
